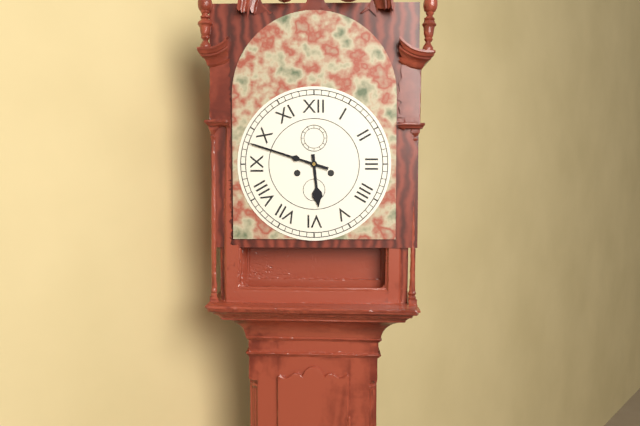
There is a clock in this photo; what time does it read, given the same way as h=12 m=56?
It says h=5 m=48
